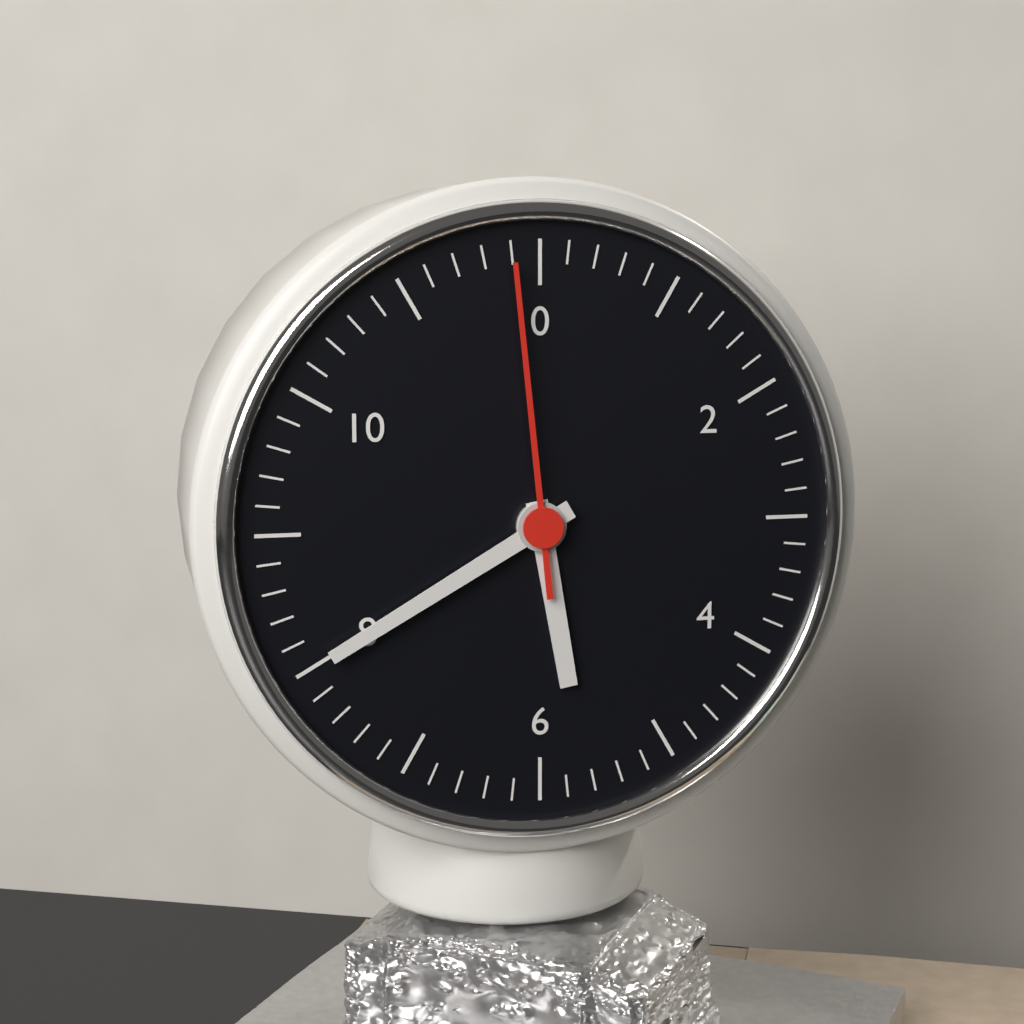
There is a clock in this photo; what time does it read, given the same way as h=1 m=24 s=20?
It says h=5 m=40 s=59
